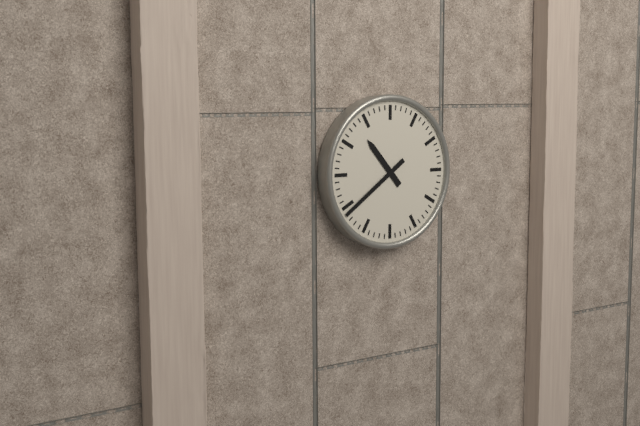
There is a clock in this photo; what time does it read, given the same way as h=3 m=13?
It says h=10 m=39
